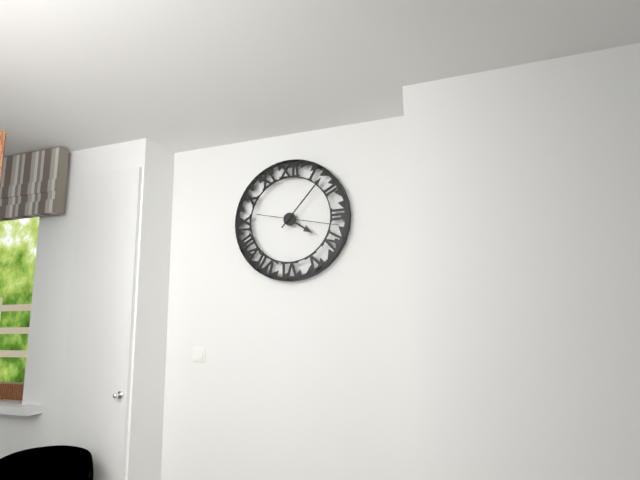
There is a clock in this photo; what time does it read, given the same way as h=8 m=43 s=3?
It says h=4 m=7 s=17
